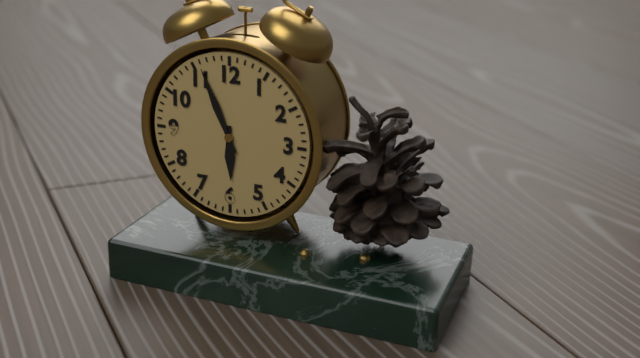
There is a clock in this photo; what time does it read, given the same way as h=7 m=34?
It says h=5 m=56
